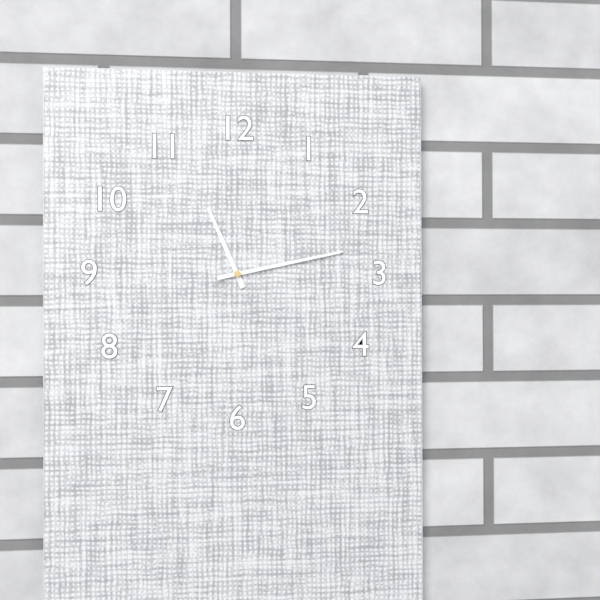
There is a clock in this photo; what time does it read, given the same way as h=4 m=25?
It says h=11 m=13
